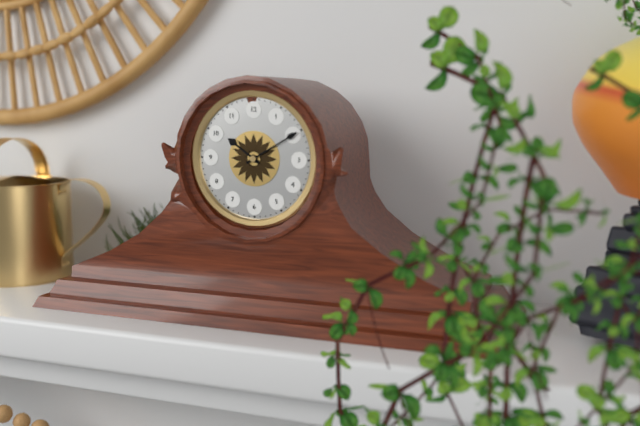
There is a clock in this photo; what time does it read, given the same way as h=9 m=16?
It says h=10 m=10
